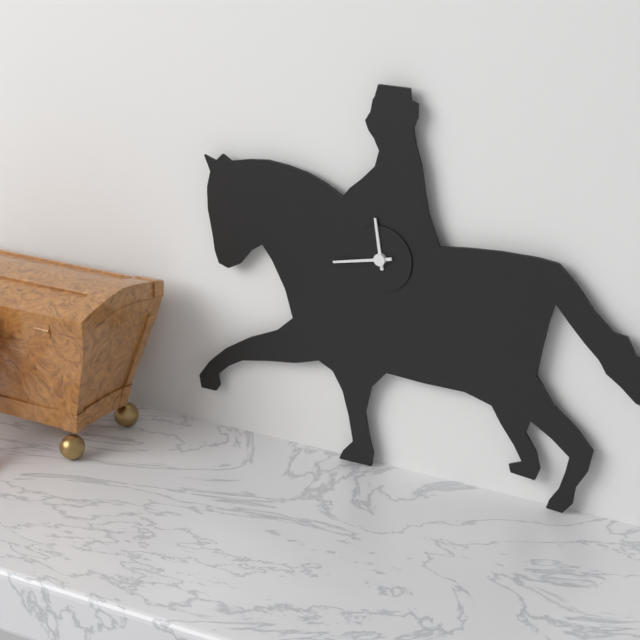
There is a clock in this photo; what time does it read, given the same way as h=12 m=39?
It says h=11 m=43
